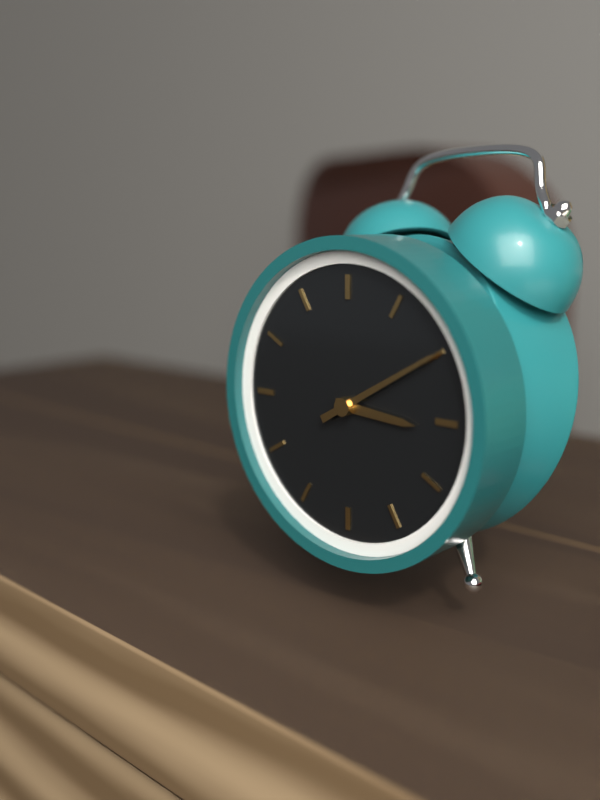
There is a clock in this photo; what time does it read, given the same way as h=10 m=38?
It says h=3 m=10
